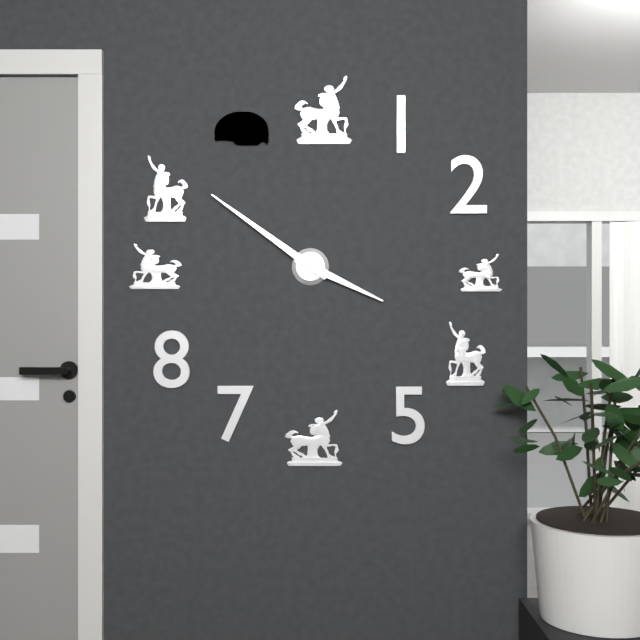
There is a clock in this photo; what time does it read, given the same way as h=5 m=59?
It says h=3 m=51
